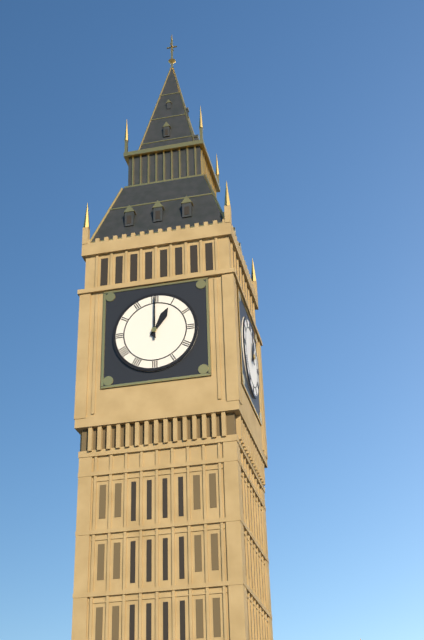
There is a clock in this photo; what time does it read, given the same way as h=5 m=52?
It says h=1 m=0
